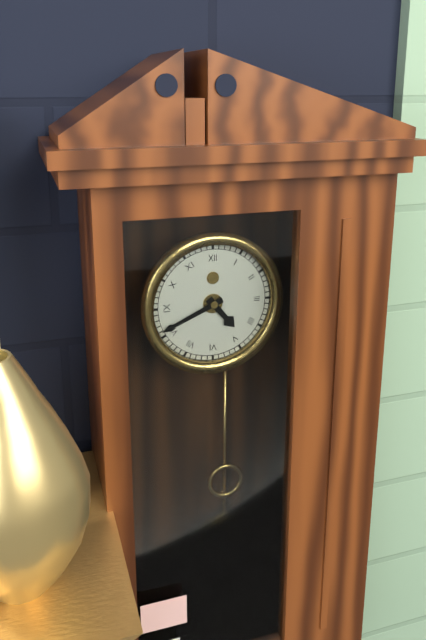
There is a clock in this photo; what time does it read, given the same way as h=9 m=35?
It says h=4 m=41
